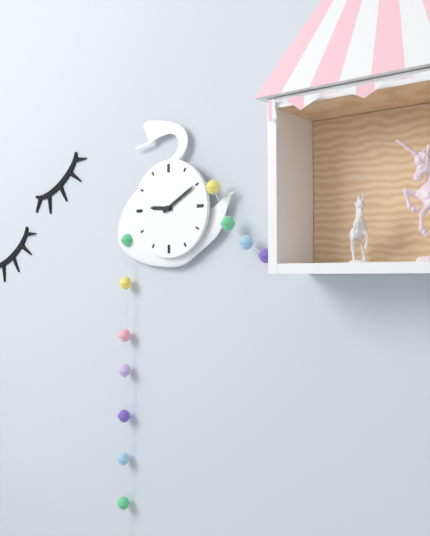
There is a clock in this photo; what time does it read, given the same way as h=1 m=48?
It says h=9 m=10
